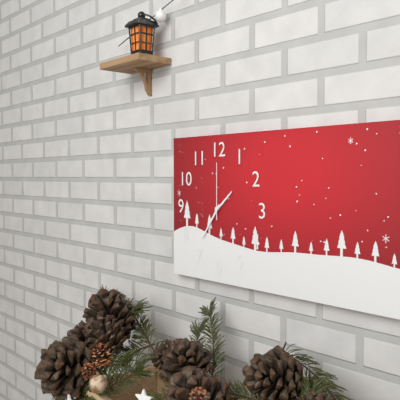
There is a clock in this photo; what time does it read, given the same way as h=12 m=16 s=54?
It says h=1 m=36 s=0
